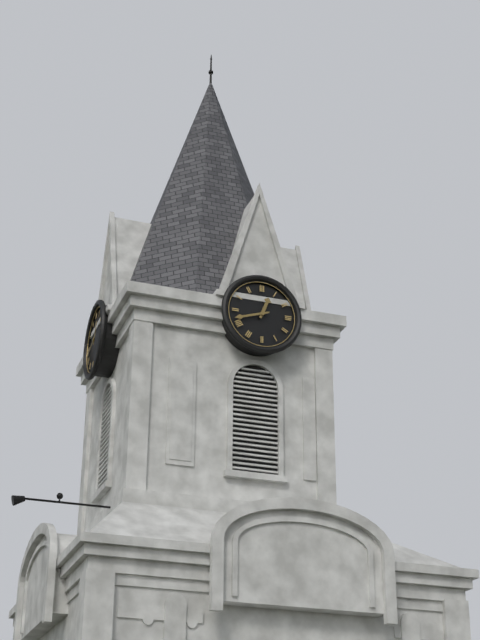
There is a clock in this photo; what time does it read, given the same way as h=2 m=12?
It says h=12 m=42
